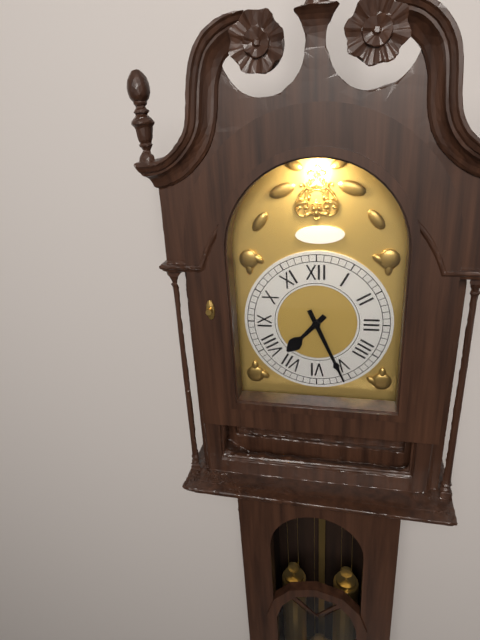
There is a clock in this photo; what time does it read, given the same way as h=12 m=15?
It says h=7 m=26
